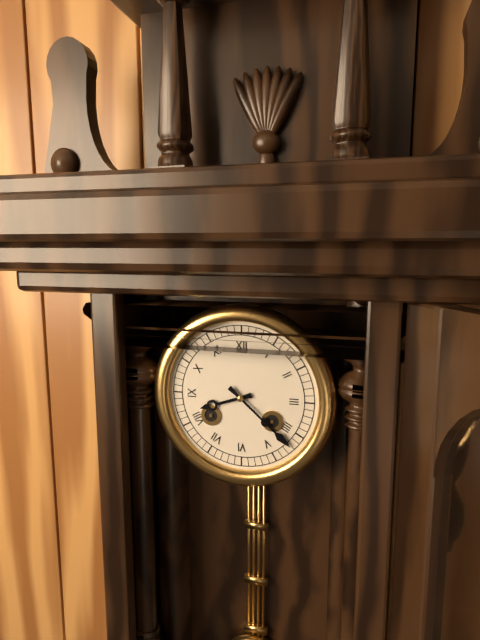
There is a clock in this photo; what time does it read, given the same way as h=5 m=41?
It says h=8 m=22
